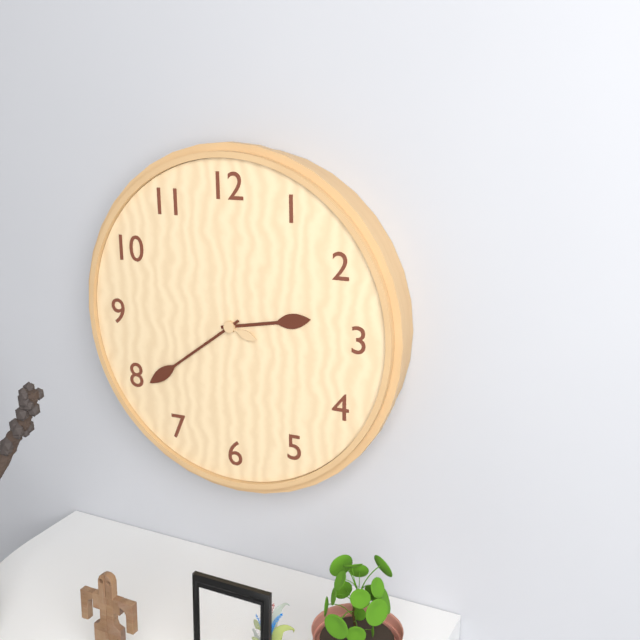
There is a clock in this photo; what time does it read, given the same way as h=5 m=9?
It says h=2 m=39
